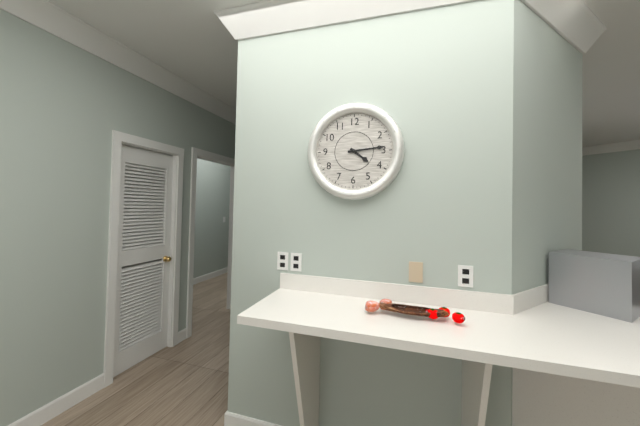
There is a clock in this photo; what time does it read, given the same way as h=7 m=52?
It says h=4 m=14
